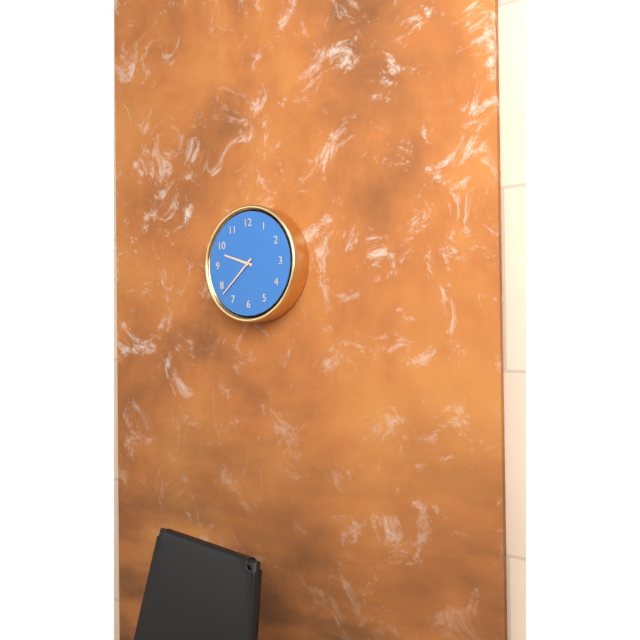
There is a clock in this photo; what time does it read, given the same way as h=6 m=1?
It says h=9 m=38
